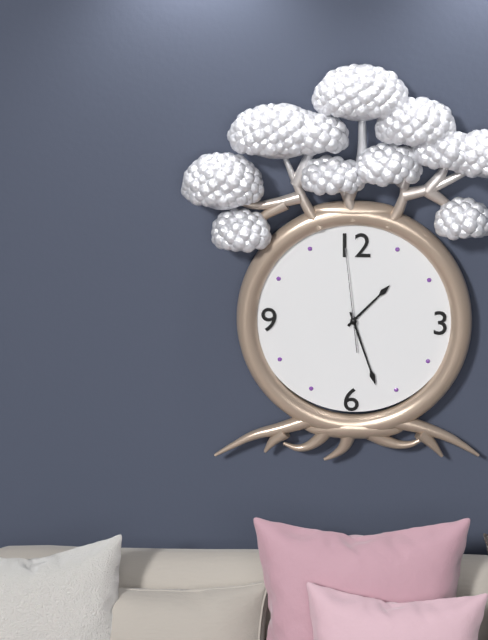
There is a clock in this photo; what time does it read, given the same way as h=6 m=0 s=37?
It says h=1 m=27 s=59
